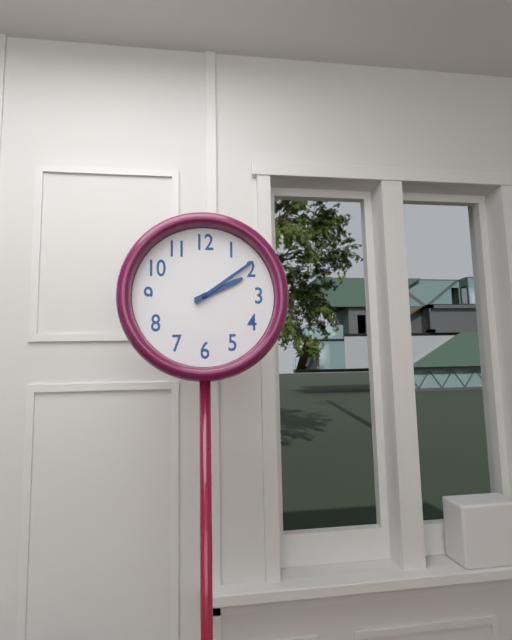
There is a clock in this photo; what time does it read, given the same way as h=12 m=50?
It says h=2 m=9
